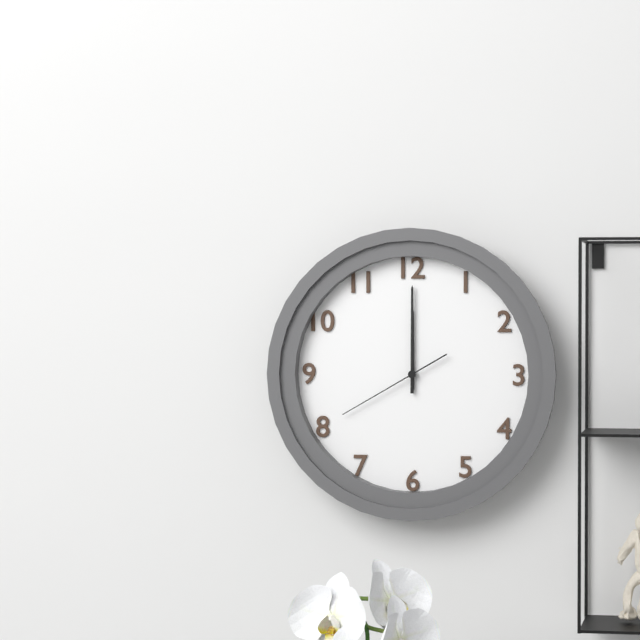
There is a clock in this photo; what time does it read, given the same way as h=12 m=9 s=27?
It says h=12 m=0 s=40
